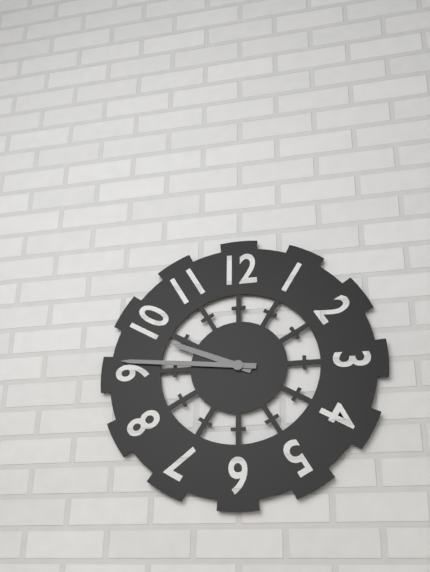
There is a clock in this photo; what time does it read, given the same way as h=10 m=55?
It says h=9 m=46
